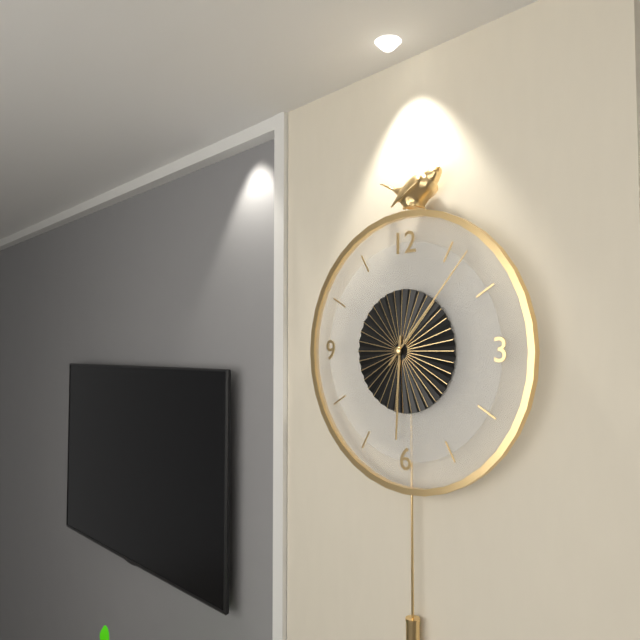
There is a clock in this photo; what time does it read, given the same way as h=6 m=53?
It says h=6 m=7
